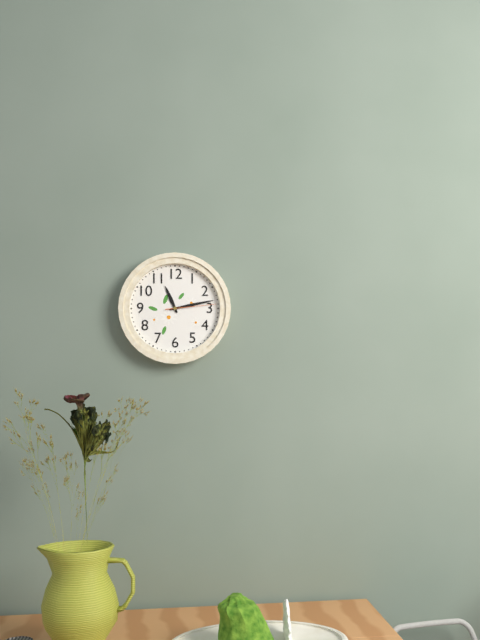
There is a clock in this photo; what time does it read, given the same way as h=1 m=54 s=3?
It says h=11 m=13 s=14
